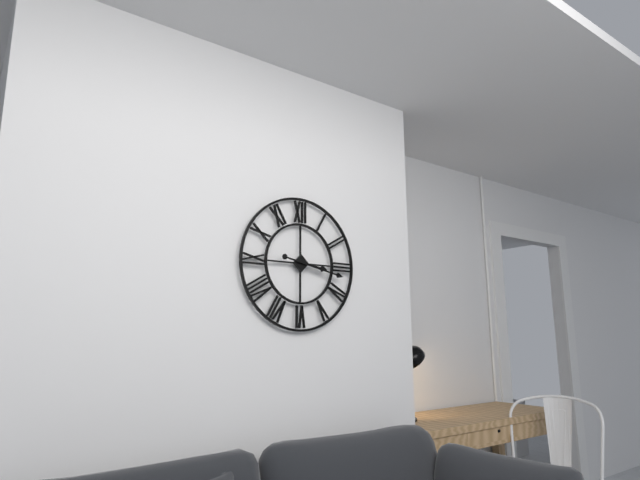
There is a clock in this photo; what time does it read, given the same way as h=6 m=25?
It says h=3 m=17
